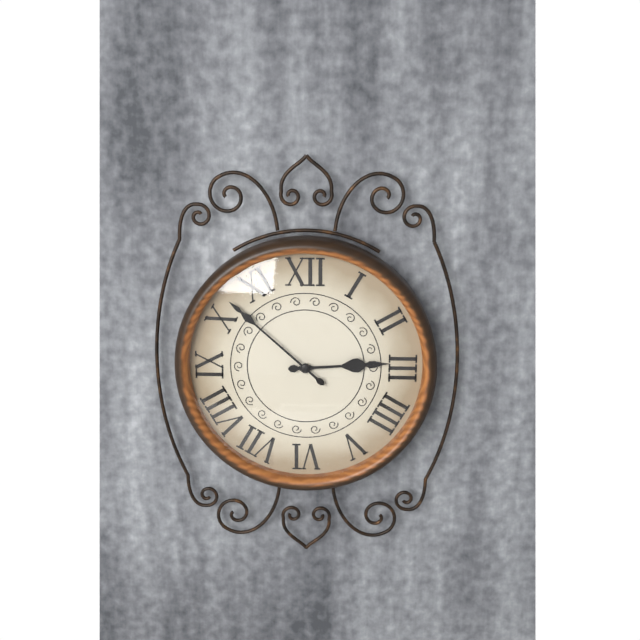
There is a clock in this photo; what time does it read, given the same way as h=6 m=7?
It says h=2 m=52
